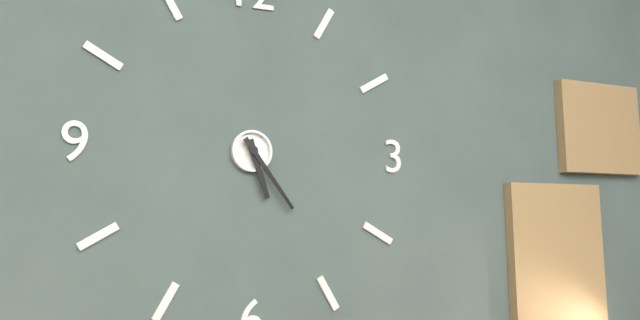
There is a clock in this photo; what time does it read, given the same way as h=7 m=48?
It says h=5 m=24
